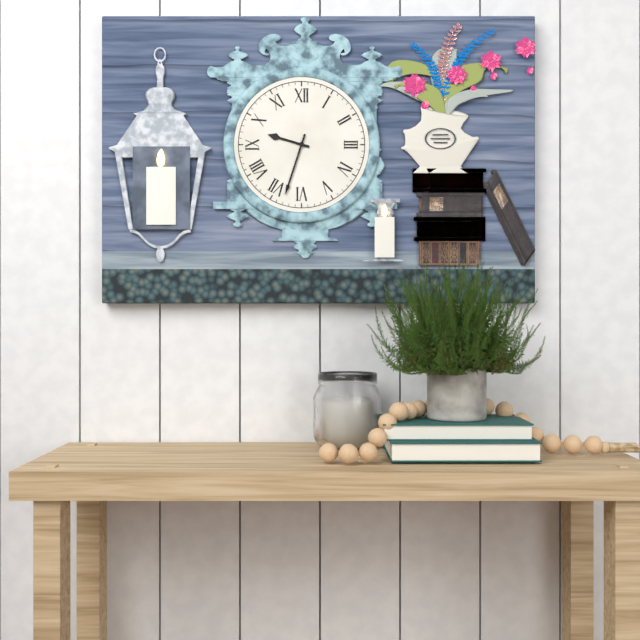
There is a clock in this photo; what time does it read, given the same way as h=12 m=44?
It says h=9 m=33
